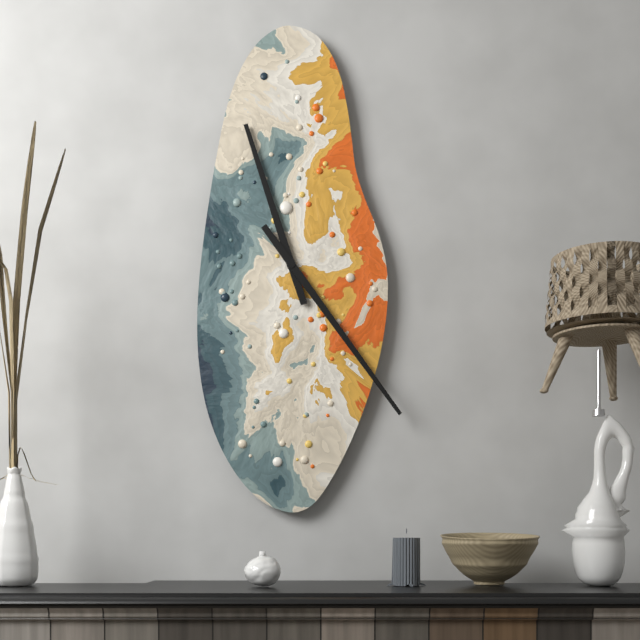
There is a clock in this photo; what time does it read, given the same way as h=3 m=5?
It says h=11 m=24
